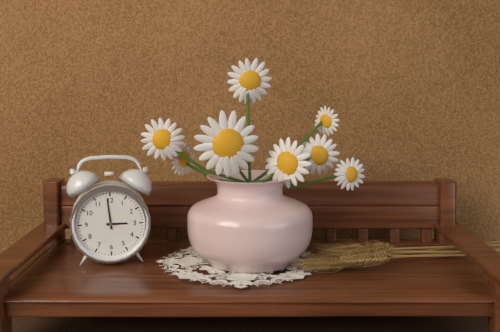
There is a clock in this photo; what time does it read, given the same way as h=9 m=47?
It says h=2 m=59
